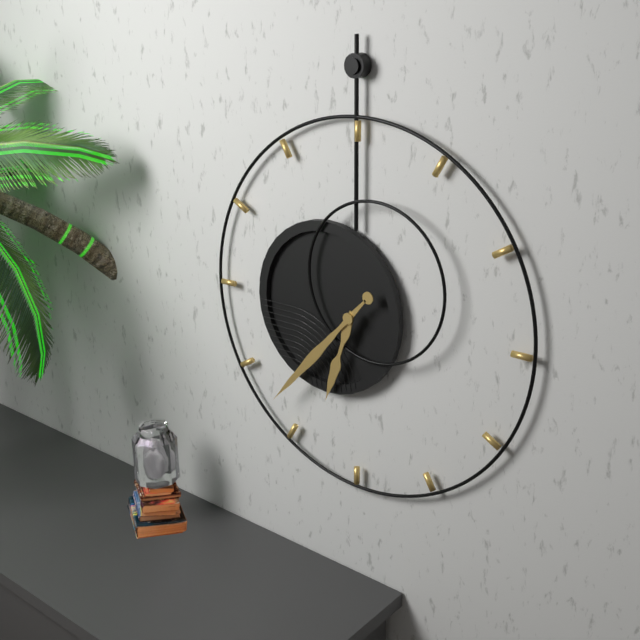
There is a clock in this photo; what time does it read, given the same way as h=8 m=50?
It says h=6 m=37
